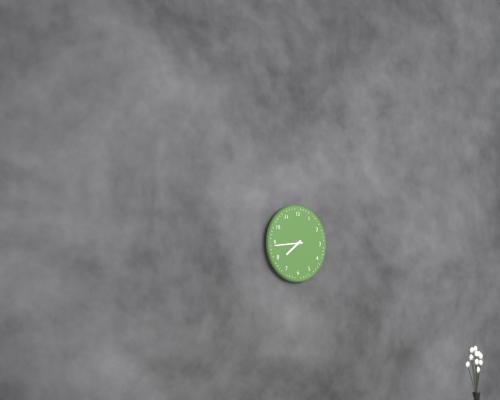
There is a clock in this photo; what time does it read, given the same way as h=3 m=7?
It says h=7 m=44
